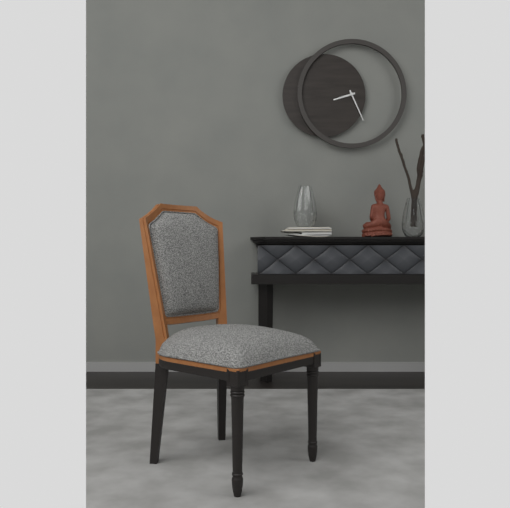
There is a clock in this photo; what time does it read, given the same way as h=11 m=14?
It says h=8 m=26
